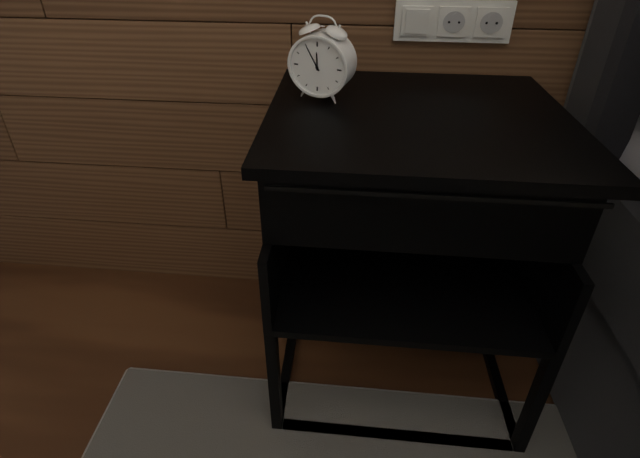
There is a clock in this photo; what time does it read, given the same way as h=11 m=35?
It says h=11 m=55
